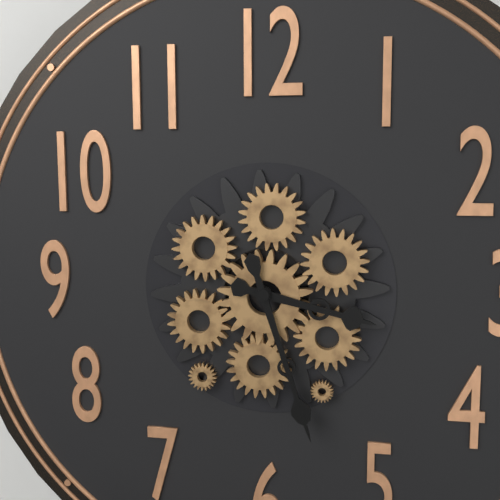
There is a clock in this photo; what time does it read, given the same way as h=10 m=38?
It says h=3 m=27
